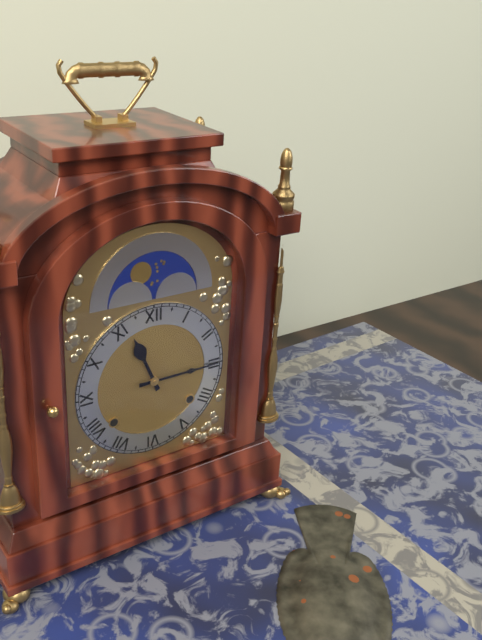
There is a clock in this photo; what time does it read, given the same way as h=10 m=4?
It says h=11 m=15
